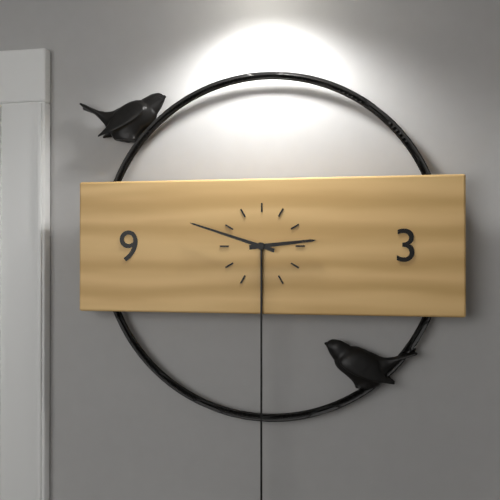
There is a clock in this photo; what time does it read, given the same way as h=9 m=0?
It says h=2 m=48
